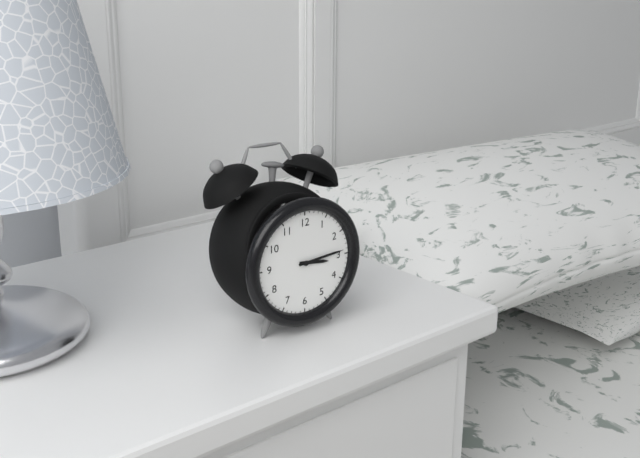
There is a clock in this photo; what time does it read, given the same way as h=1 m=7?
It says h=3 m=14
